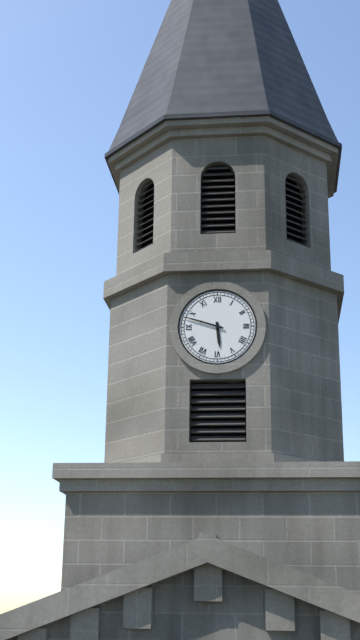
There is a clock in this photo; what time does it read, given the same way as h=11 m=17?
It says h=5 m=48
